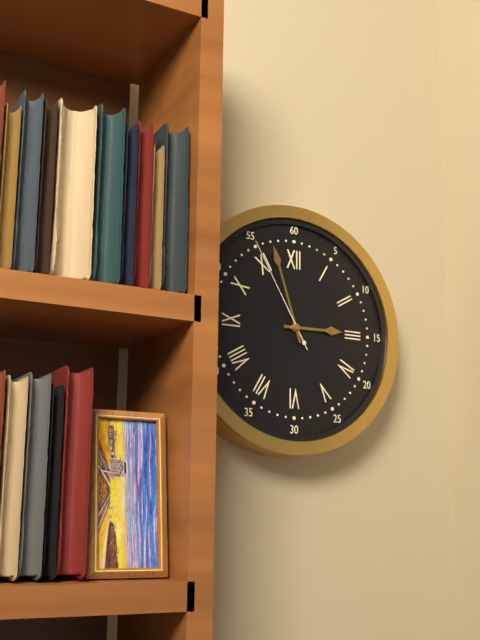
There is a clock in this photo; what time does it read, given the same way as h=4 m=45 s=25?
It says h=2 m=57 s=55
